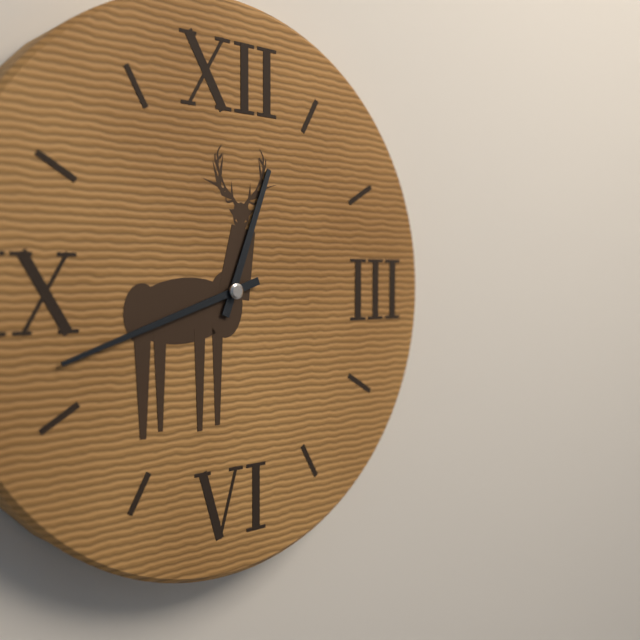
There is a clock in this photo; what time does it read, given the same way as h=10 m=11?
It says h=12 m=42
